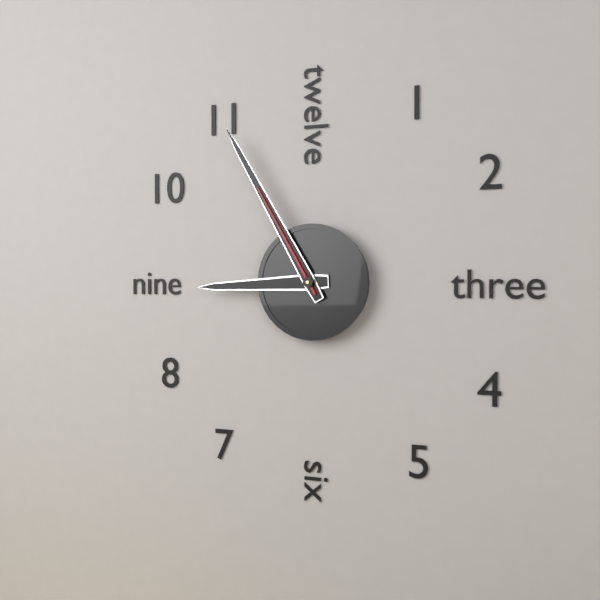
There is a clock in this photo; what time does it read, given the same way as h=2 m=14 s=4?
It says h=8 m=55 s=55
